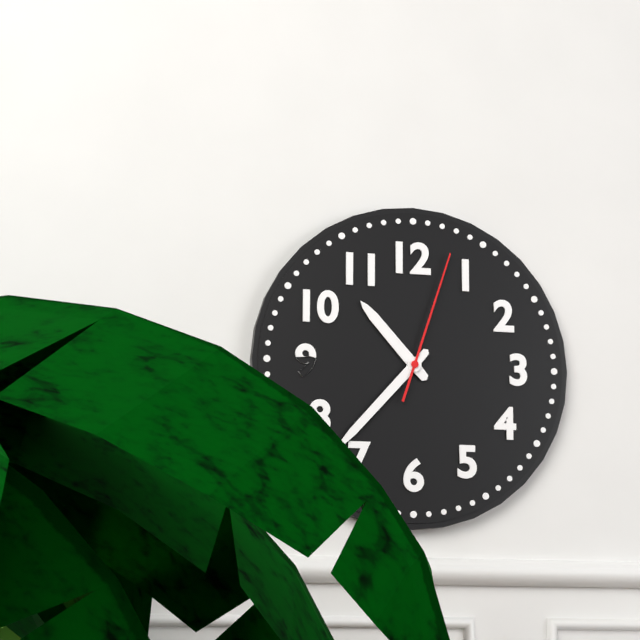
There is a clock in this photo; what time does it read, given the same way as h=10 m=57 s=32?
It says h=10 m=37 s=3
